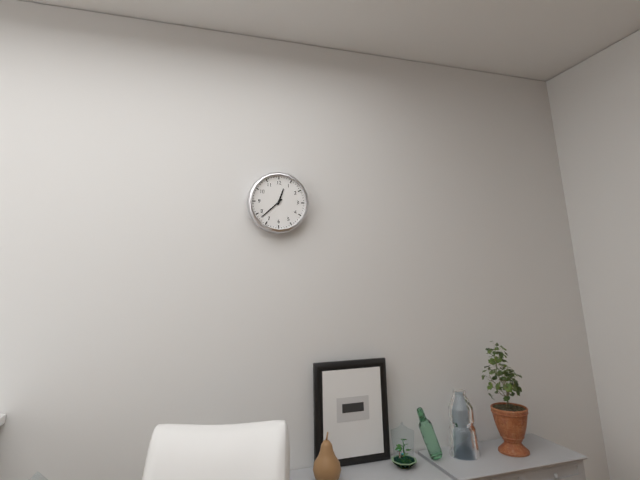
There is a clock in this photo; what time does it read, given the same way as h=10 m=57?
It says h=12 m=38
